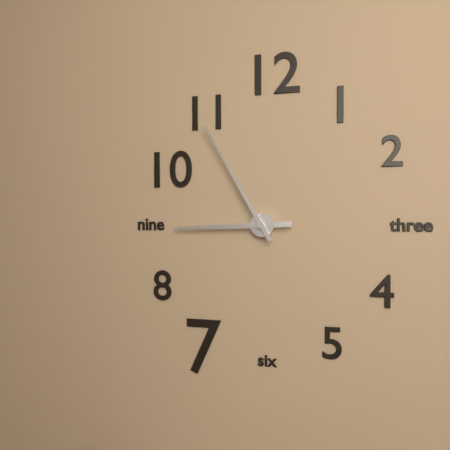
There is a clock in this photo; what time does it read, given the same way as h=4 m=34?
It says h=8 m=55
